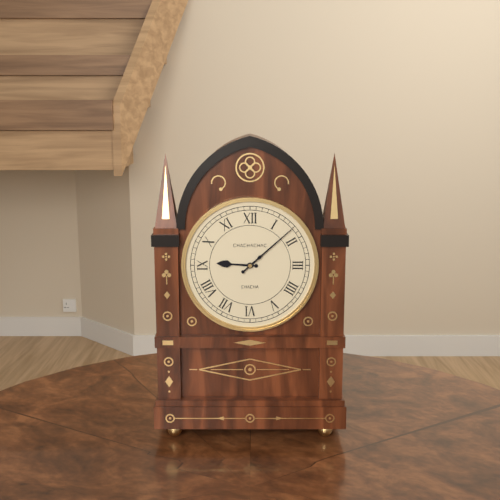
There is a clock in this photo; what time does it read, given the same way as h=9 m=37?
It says h=9 m=8
